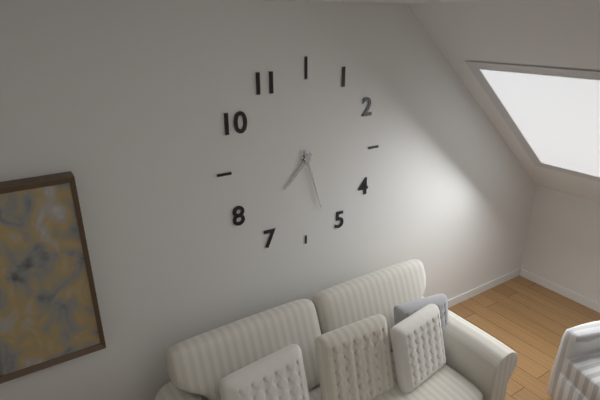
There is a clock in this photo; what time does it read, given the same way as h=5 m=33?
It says h=7 m=27
